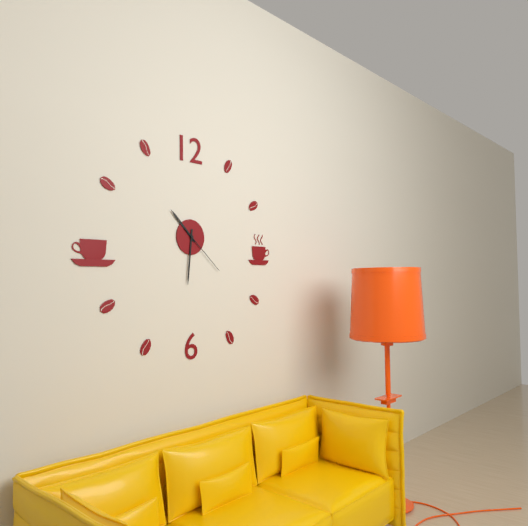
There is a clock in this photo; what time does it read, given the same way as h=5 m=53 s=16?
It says h=10 m=31 s=22
